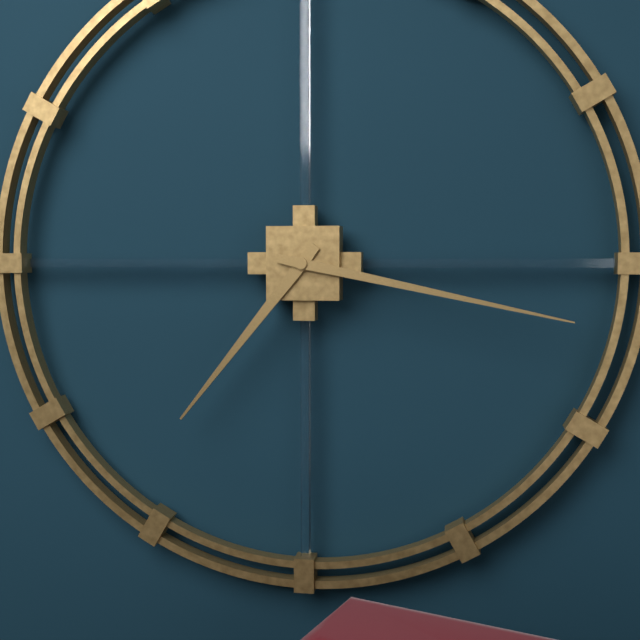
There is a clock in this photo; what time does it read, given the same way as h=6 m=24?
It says h=7 m=17
